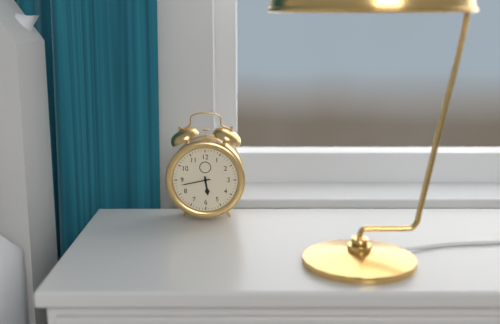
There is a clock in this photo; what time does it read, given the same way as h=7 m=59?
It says h=5 m=43
